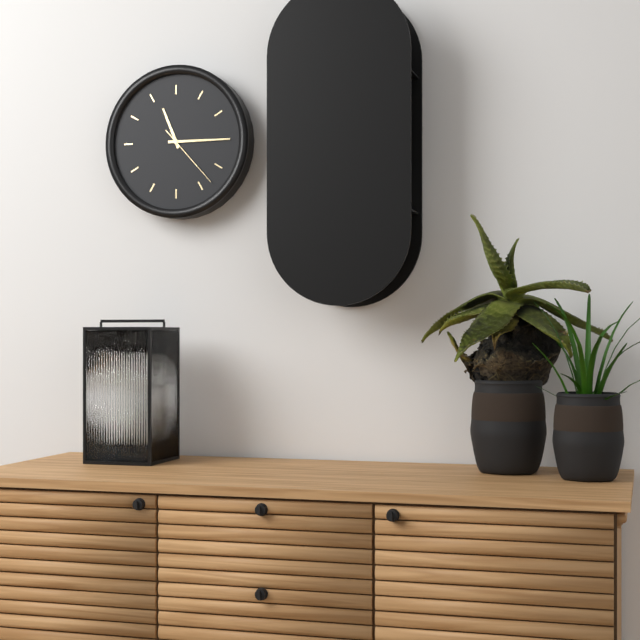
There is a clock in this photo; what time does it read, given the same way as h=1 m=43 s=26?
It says h=11 m=15 s=23
